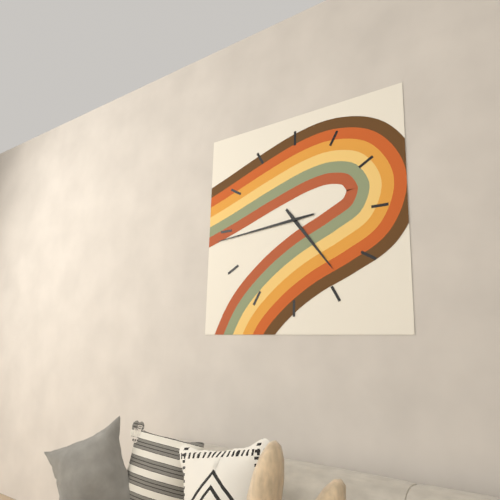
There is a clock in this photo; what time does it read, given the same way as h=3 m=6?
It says h=4 m=44
